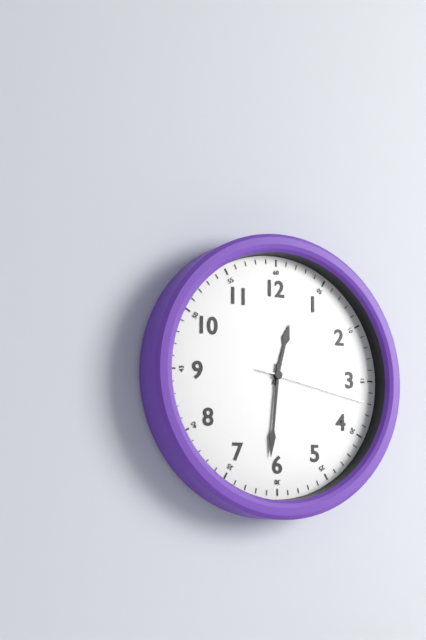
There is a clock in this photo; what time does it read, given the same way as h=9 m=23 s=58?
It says h=12 m=31 s=17
